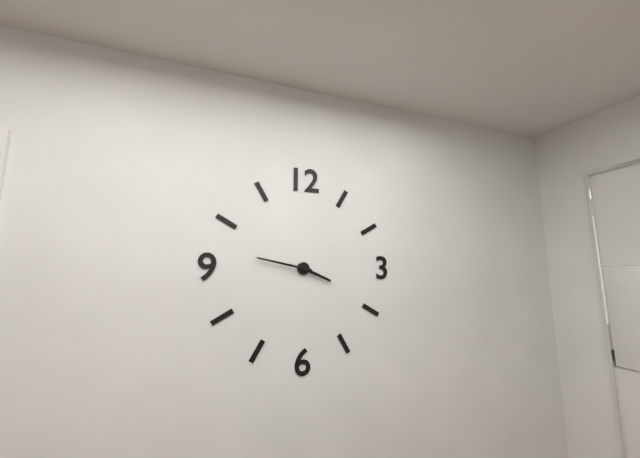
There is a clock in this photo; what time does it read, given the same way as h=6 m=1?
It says h=3 m=47
